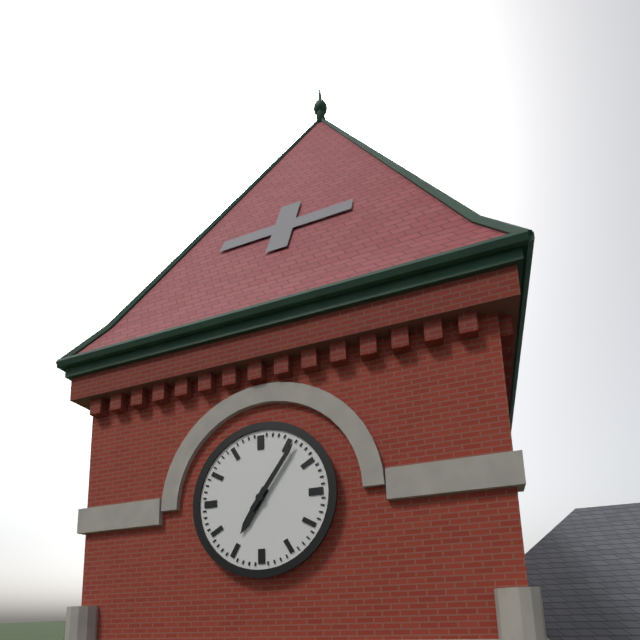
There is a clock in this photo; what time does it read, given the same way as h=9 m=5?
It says h=7 m=6
